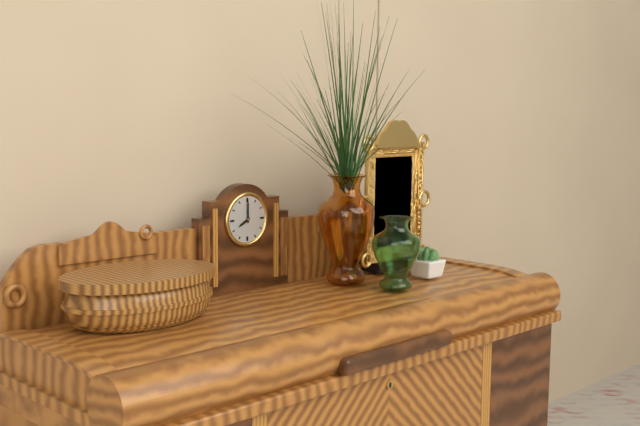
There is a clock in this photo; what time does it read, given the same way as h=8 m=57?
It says h=8 m=0
